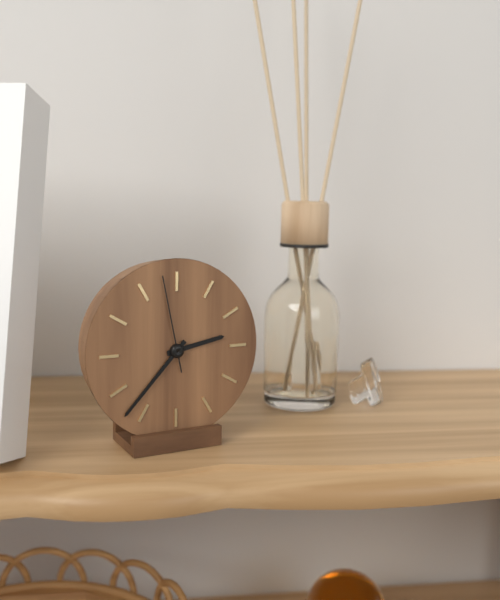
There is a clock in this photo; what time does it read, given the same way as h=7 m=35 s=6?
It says h=2 m=37 s=58
